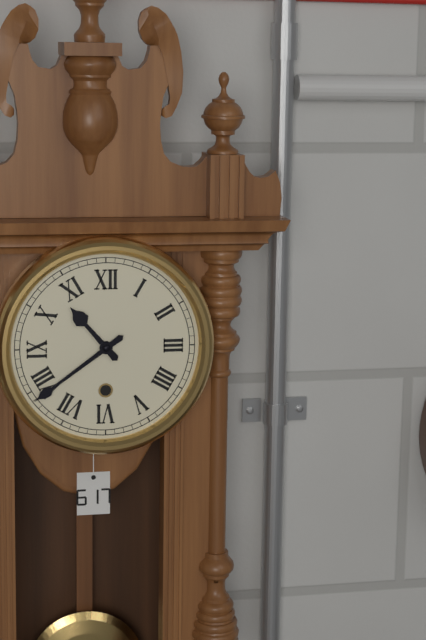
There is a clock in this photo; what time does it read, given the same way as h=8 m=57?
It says h=10 m=39
